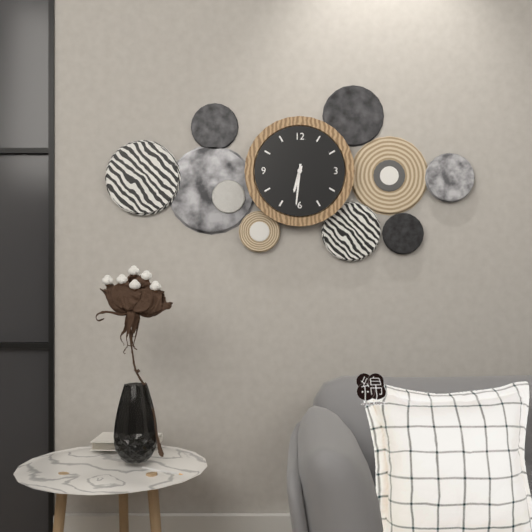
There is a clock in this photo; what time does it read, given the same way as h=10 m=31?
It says h=6 m=31
